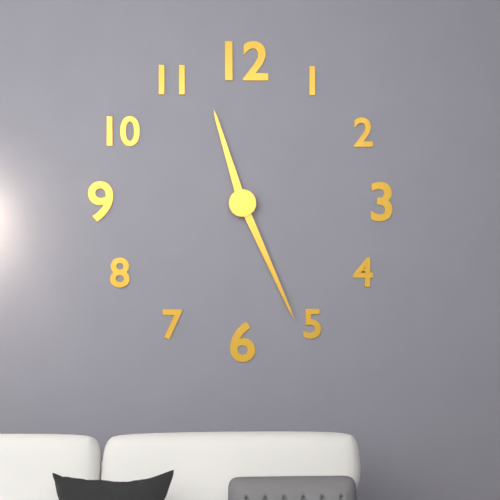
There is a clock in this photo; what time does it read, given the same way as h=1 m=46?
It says h=11 m=26
